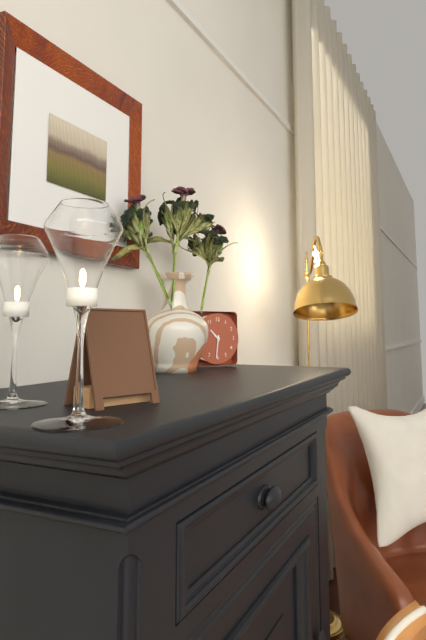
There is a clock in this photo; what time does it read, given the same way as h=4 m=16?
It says h=10 m=31
